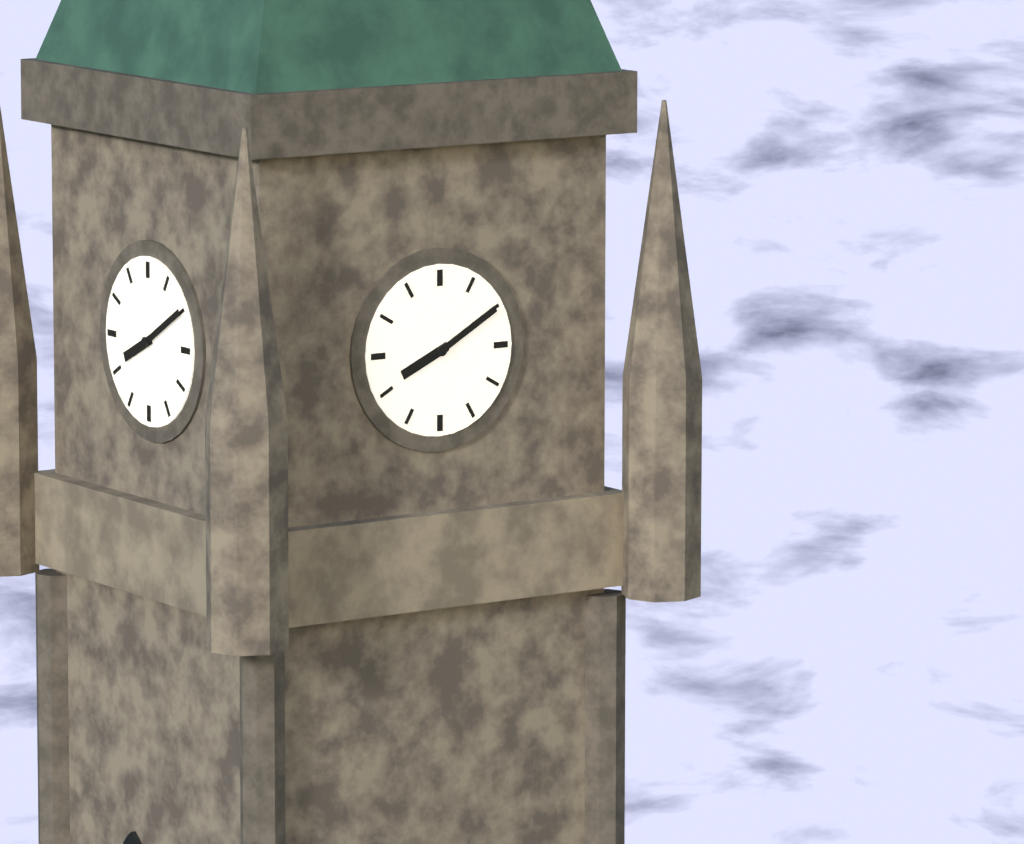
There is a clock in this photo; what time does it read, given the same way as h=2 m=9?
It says h=8 m=10
